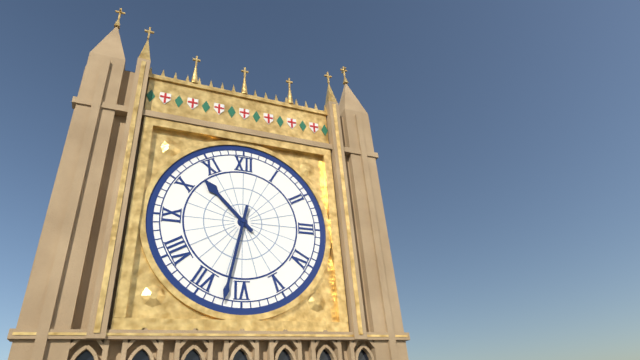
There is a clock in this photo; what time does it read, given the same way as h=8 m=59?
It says h=10 m=32
